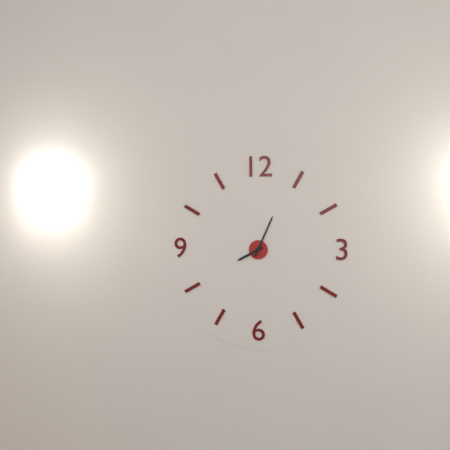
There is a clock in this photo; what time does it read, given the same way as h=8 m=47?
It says h=8 m=4
